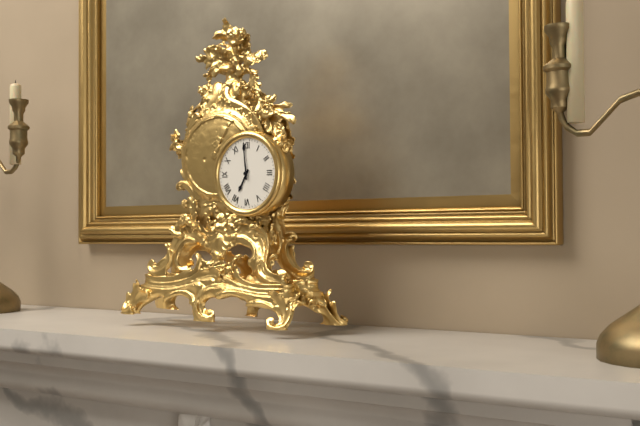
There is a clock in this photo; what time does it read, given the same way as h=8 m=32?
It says h=6 m=59
